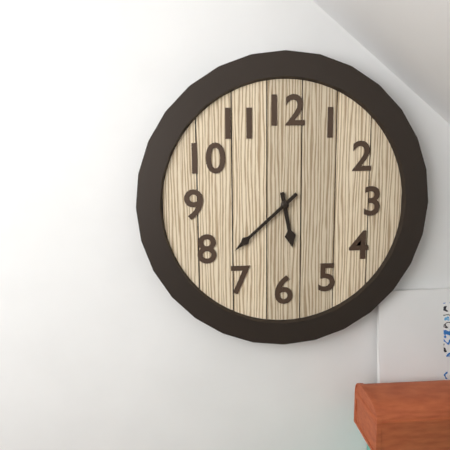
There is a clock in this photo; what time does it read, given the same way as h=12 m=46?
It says h=5 m=38
